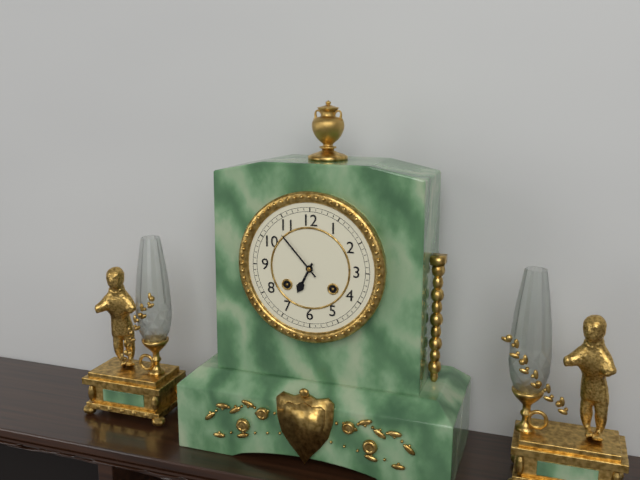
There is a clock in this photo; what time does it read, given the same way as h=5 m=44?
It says h=6 m=53
